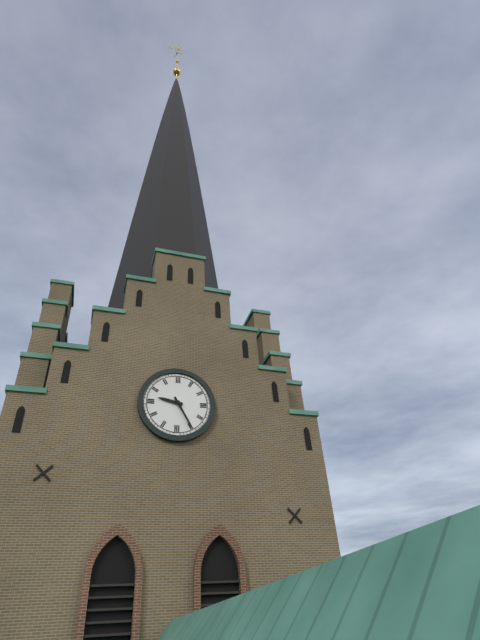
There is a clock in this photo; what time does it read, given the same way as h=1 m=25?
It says h=9 m=25
